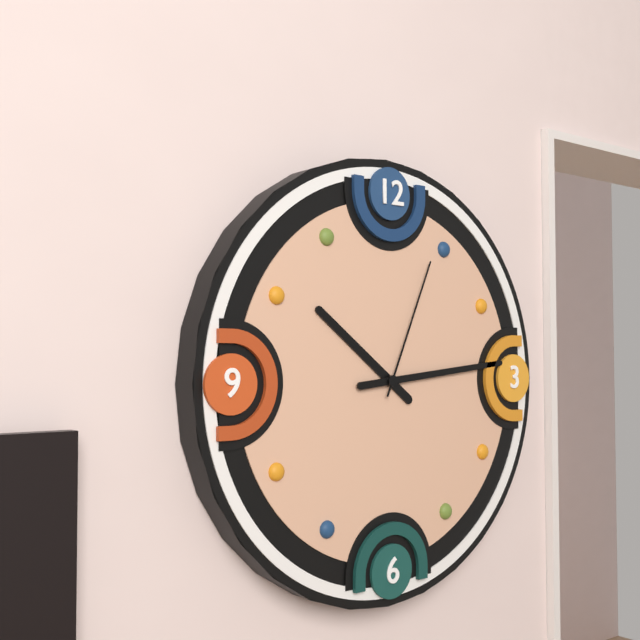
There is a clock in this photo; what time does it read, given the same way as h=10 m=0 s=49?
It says h=10 m=14 s=4
